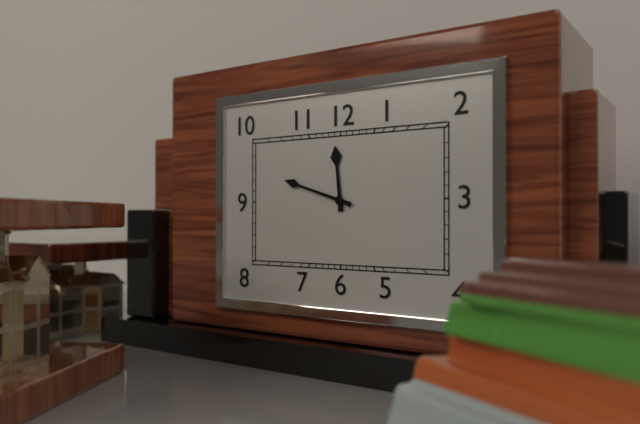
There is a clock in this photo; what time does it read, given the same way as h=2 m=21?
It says h=11 m=48
